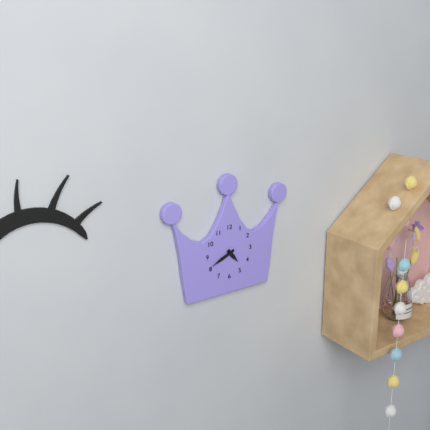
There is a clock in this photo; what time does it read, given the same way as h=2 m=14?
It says h=4 m=41
